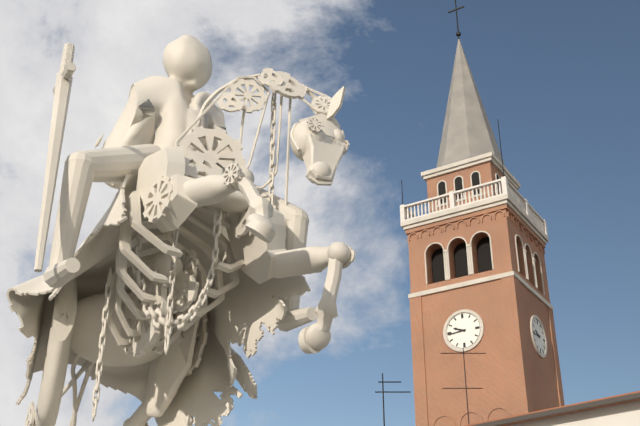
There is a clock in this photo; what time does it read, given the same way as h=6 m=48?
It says h=9 m=44
